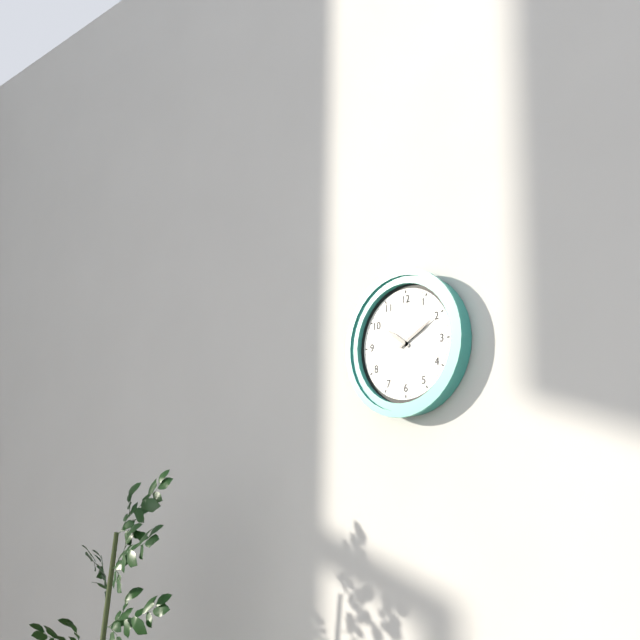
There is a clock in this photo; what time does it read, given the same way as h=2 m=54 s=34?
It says h=10 m=10 s=0
